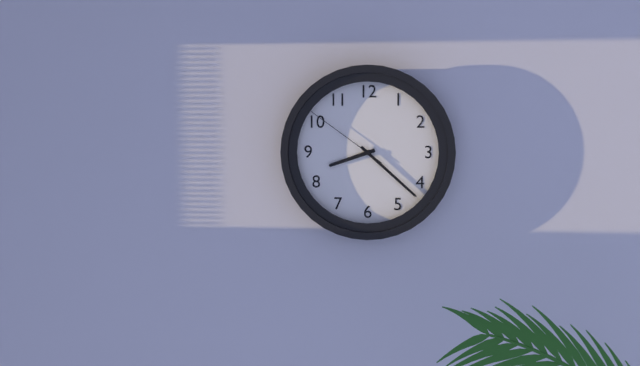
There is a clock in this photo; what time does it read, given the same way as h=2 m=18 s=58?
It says h=8 m=22 s=51
